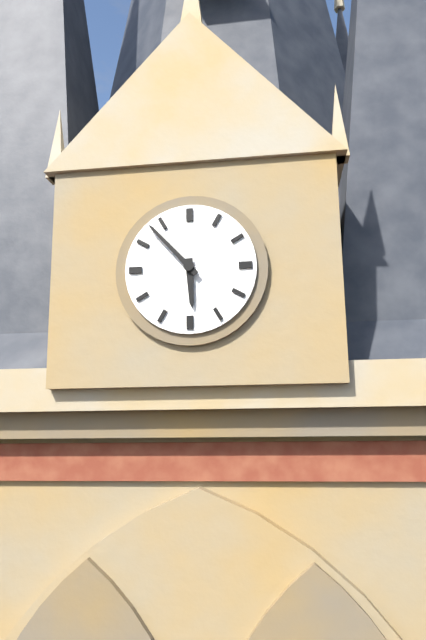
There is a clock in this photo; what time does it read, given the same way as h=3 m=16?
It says h=5 m=53
